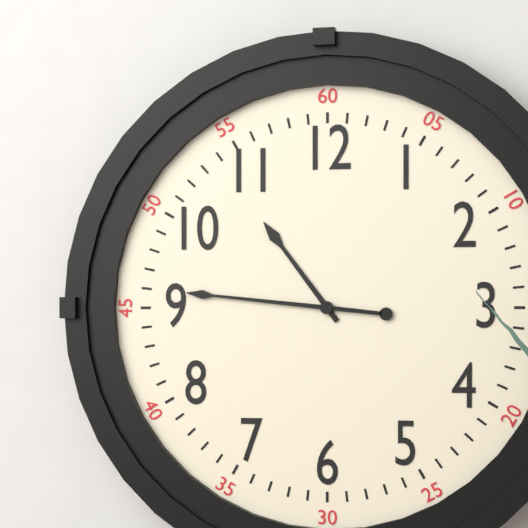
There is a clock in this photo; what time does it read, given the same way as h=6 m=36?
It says h=10 m=46
